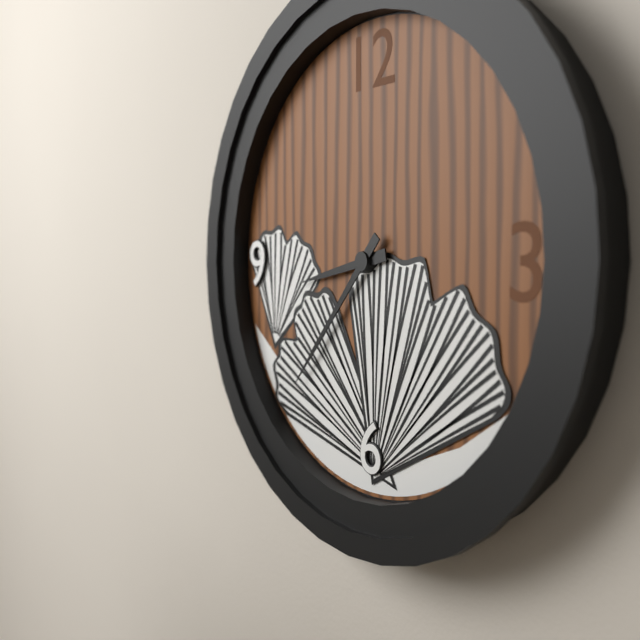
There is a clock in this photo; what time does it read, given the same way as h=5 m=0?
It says h=8 m=37
